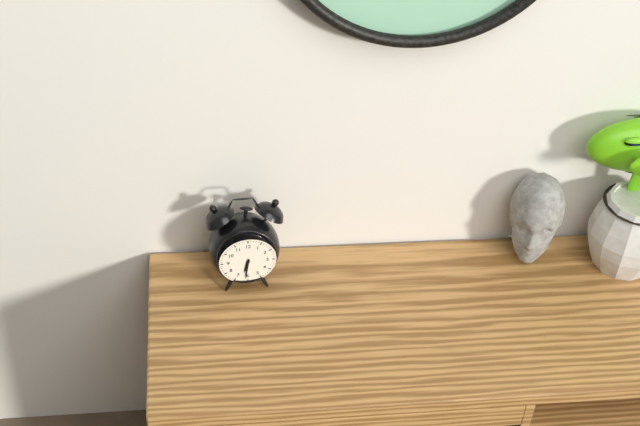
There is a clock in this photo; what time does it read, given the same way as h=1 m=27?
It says h=6 m=31
